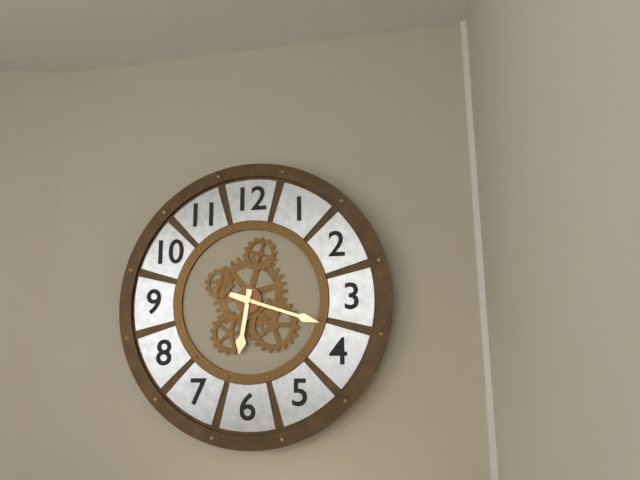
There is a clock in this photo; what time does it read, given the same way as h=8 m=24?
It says h=6 m=18
